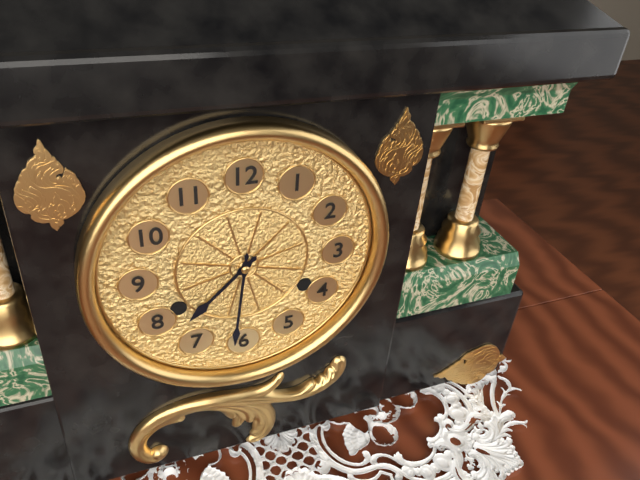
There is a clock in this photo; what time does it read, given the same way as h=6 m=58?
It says h=7 m=31
